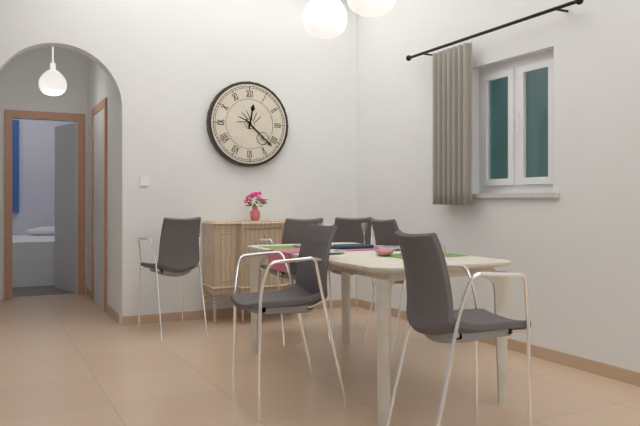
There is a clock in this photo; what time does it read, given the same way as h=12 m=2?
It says h=12 m=22
